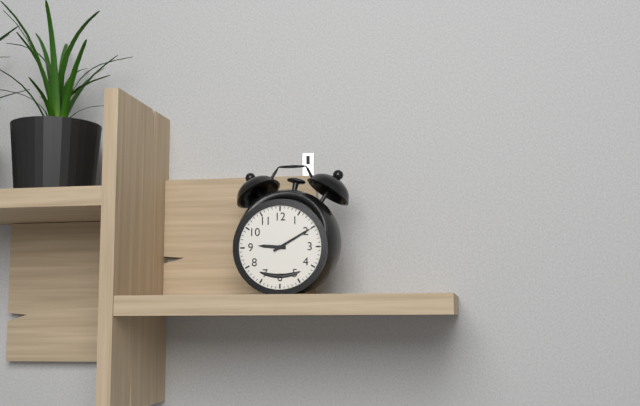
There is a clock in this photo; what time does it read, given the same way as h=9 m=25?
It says h=9 m=10
